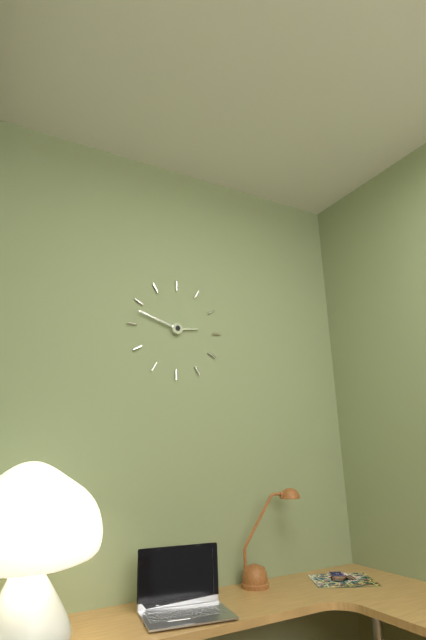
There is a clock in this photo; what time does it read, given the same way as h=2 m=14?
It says h=2 m=48
